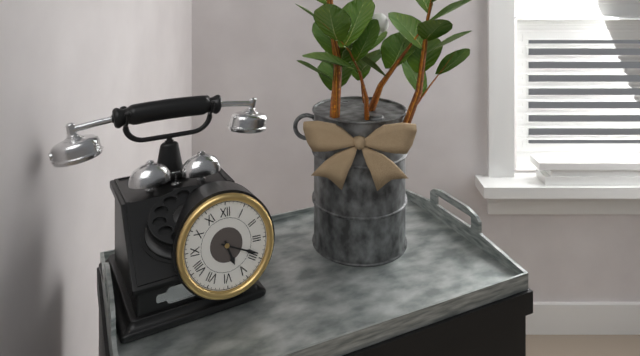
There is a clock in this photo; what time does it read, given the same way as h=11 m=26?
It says h=5 m=19
